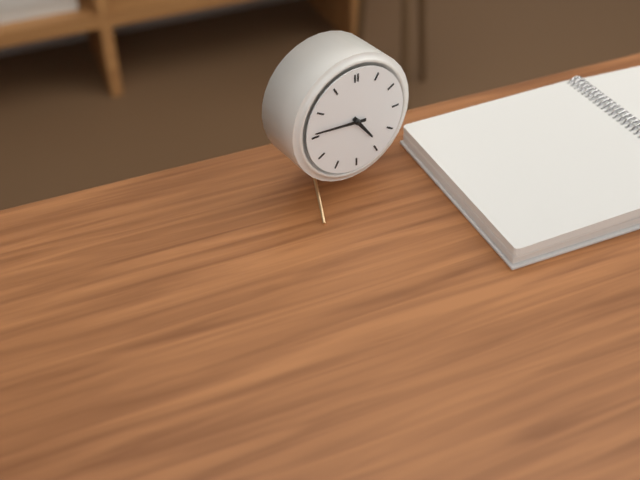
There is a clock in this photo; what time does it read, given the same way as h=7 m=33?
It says h=4 m=46
